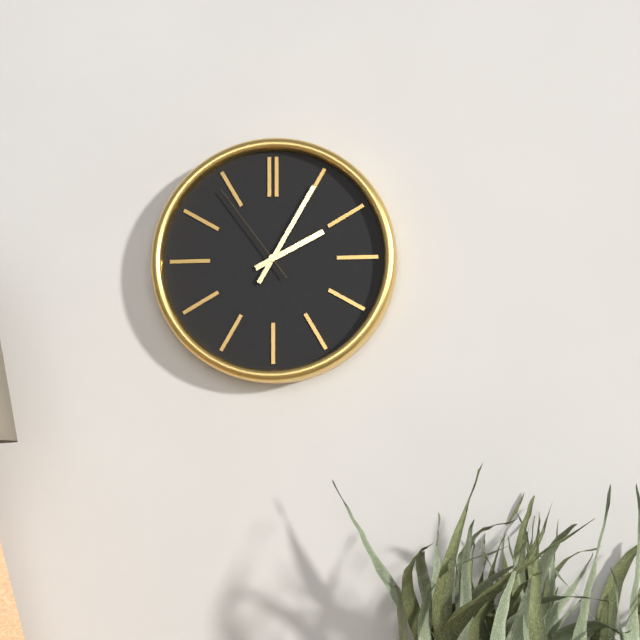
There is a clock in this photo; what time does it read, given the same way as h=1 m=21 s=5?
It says h=2 m=5 s=54
